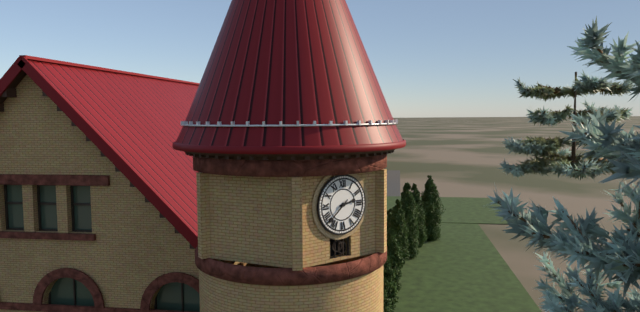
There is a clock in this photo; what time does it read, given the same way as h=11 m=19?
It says h=2 m=38
